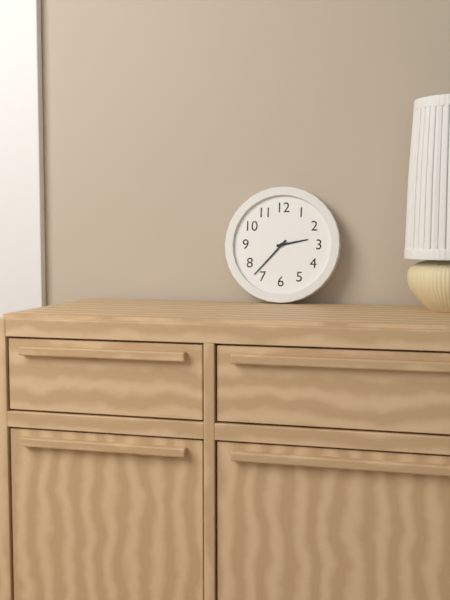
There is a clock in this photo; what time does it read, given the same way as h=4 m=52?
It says h=2 m=37
